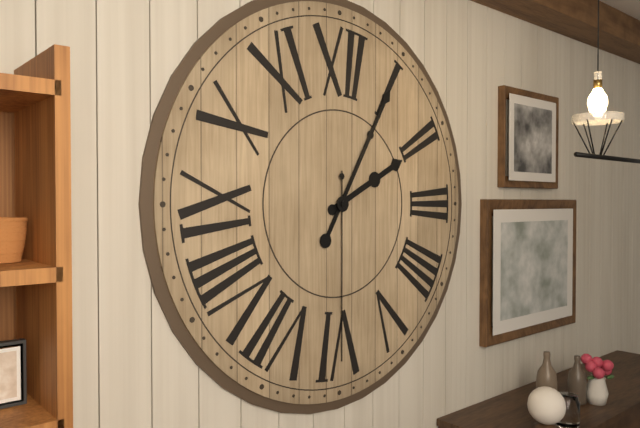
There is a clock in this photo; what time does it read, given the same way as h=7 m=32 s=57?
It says h=2 m=5 s=30
